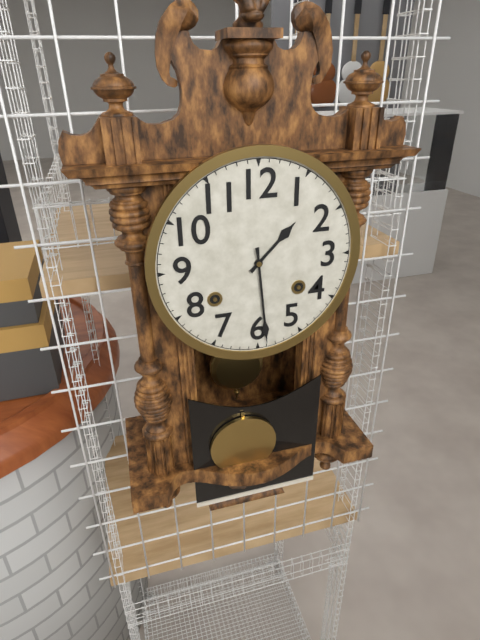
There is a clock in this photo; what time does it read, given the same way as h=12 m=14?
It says h=1 m=29
